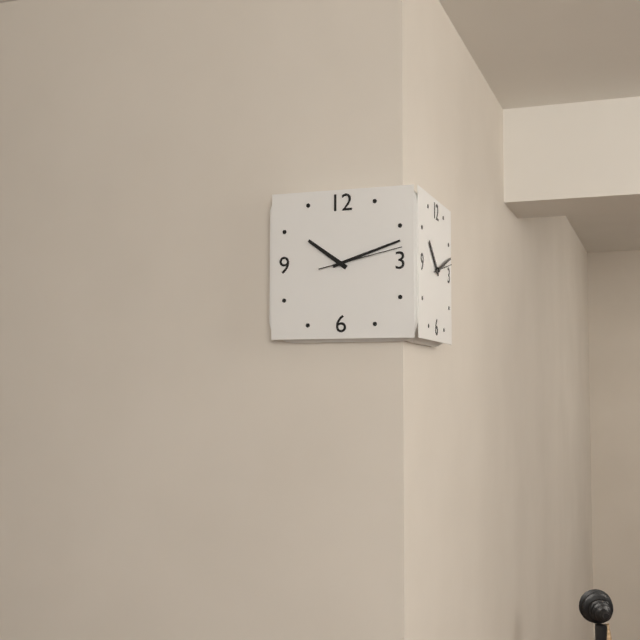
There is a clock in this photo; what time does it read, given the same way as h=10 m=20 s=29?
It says h=10 m=12 s=13
